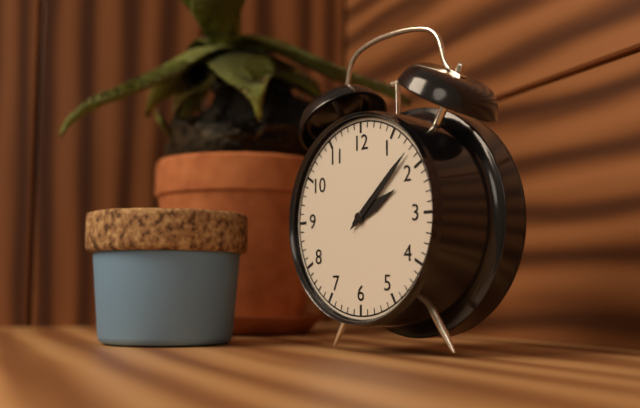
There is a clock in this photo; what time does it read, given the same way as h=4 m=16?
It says h=2 m=8
